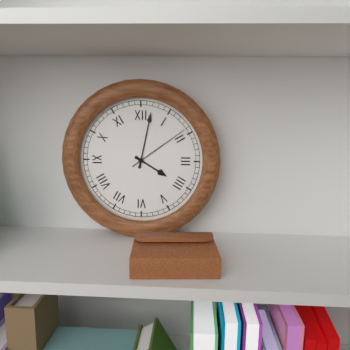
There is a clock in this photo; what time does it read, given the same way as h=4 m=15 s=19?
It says h=4 m=2 s=9
